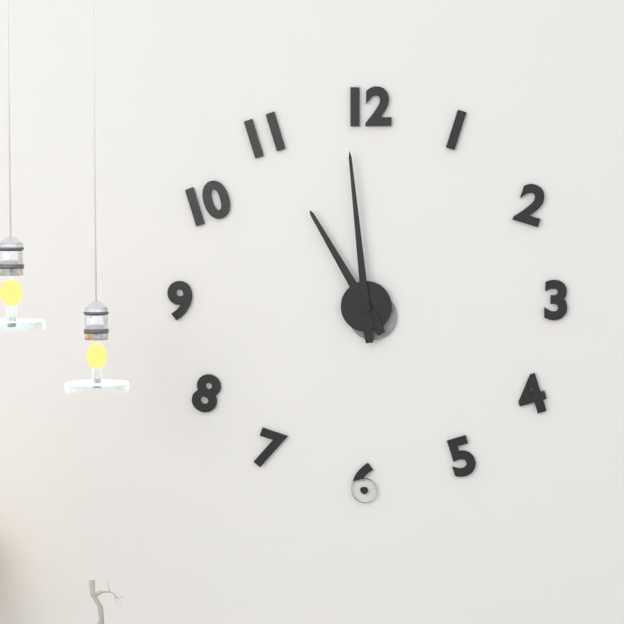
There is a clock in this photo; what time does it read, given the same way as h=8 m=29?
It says h=10 m=59
